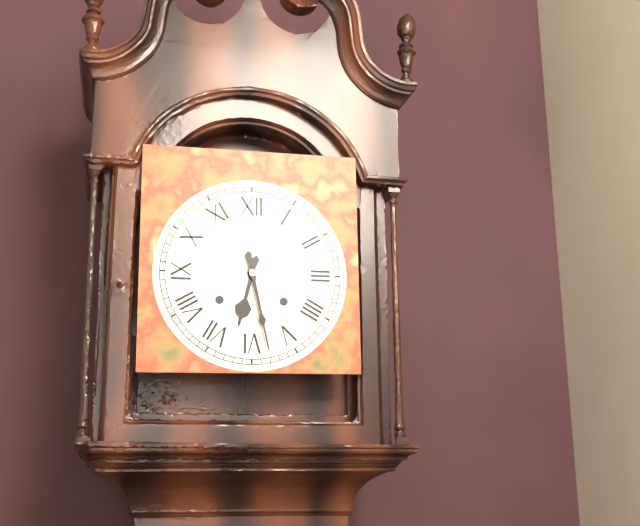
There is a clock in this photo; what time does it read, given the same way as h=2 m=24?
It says h=6 m=28
